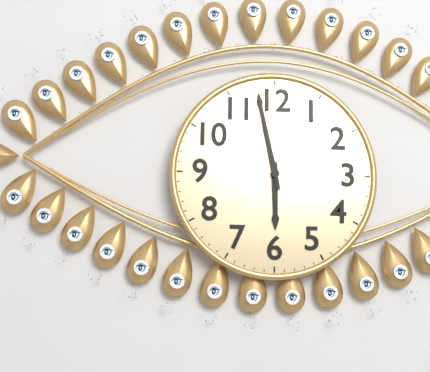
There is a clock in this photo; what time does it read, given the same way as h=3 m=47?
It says h=5 m=58
